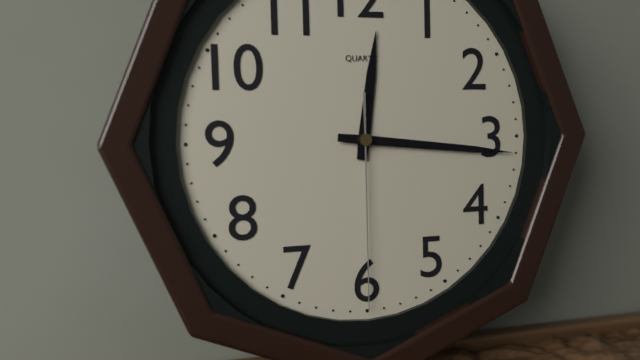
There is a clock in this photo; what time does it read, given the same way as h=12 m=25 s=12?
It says h=12 m=16 s=30
